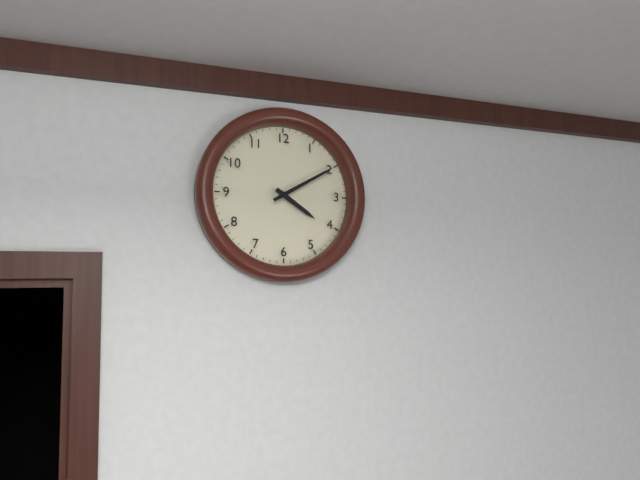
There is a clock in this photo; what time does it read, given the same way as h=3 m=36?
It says h=4 m=10
